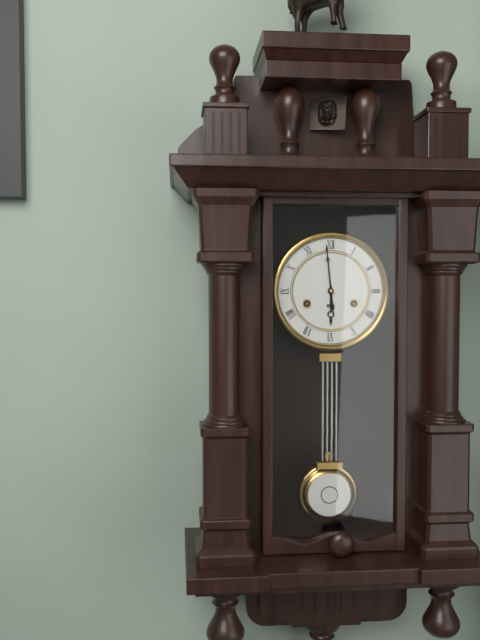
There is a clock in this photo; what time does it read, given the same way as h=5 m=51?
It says h=5 m=59
